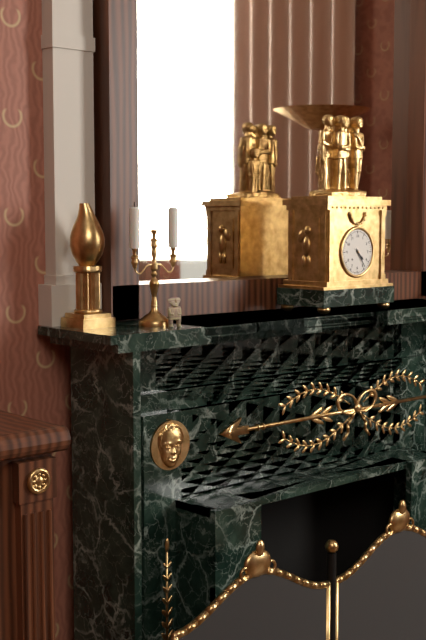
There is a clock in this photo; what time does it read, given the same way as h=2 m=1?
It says h=4 m=24
